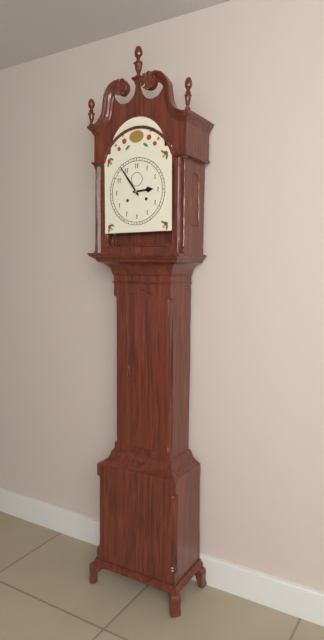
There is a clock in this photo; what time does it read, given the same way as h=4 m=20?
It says h=2 m=54
